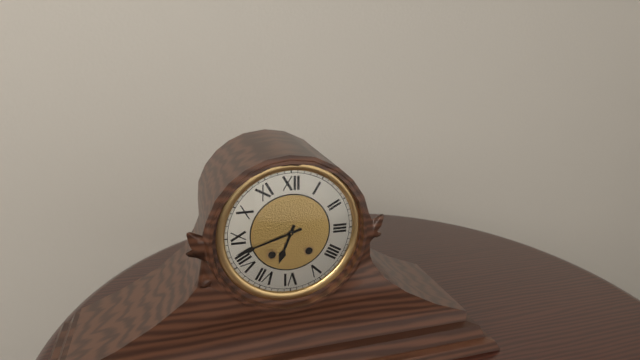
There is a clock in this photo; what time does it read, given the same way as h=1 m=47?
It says h=6 m=42
